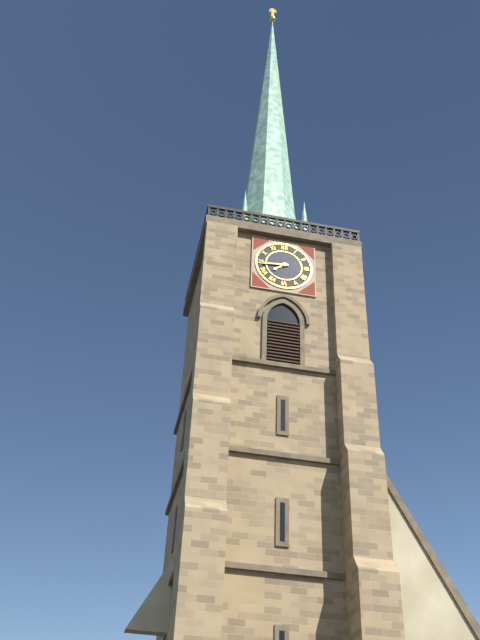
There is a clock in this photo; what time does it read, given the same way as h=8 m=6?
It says h=7 m=44
